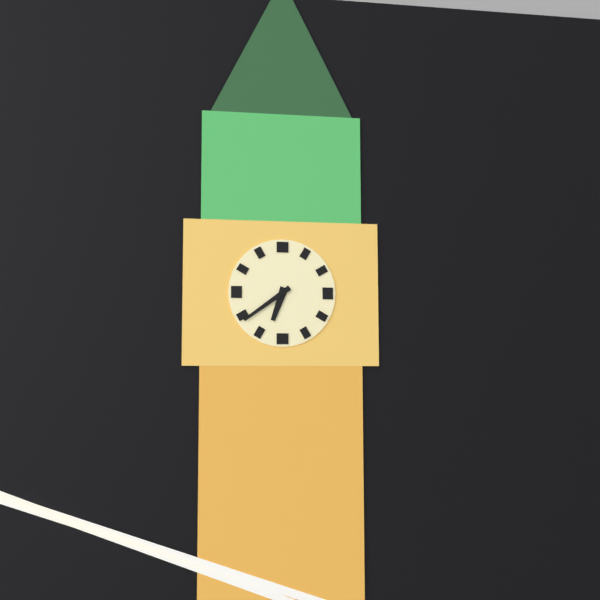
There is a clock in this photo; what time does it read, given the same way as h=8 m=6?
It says h=6 m=39
